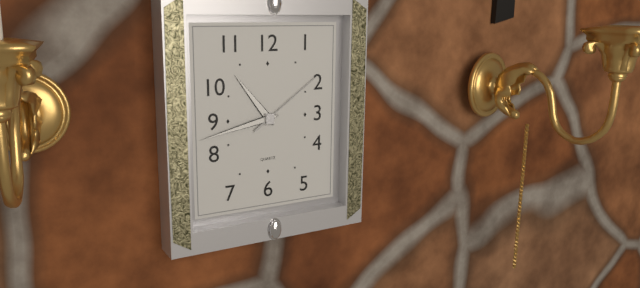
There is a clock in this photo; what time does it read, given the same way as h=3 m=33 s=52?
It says h=10 m=43 s=9
